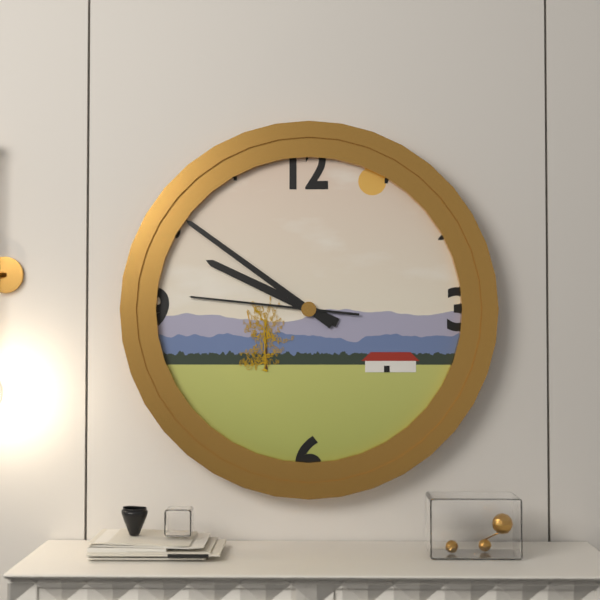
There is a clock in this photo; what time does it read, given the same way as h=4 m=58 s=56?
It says h=9 m=51 s=46
